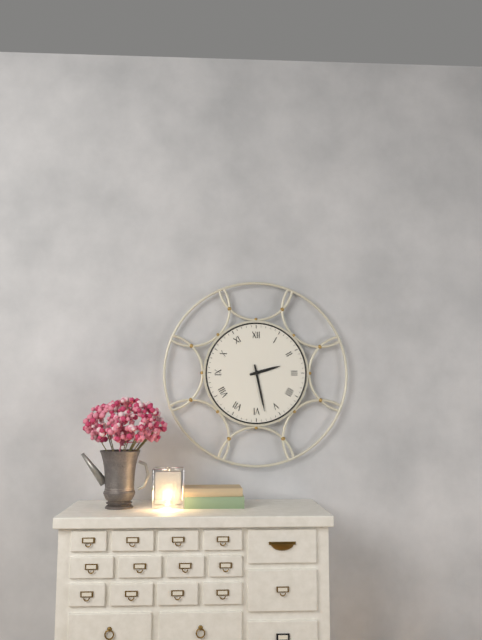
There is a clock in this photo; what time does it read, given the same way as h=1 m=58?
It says h=2 m=28
